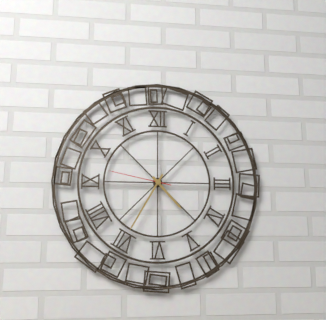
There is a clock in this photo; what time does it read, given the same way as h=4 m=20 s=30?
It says h=4 m=35 s=47
